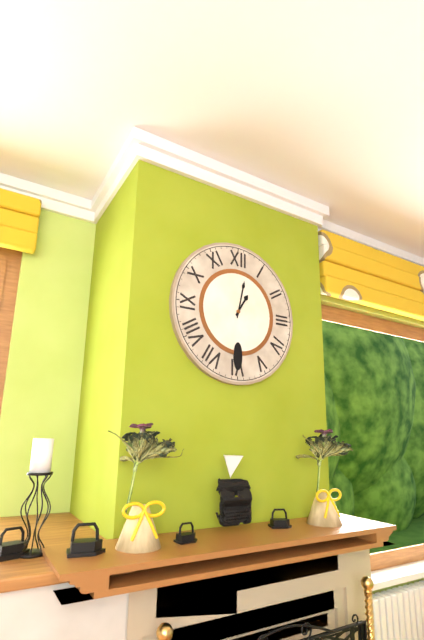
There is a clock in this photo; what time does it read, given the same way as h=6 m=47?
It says h=1 m=2
